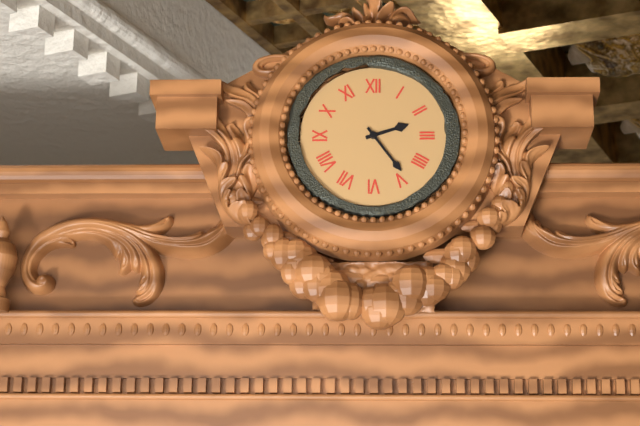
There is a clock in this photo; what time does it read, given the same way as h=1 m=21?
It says h=2 m=24
